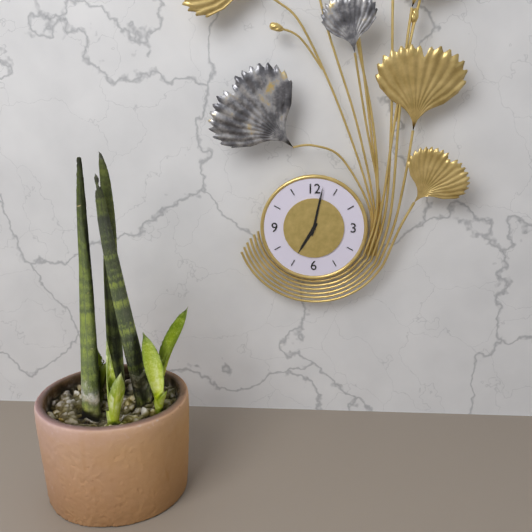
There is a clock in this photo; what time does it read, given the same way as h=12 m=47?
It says h=7 m=2
